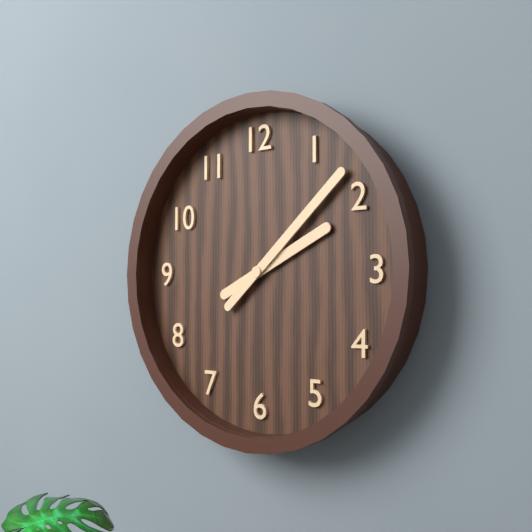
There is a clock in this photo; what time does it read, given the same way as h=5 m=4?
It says h=2 m=8
